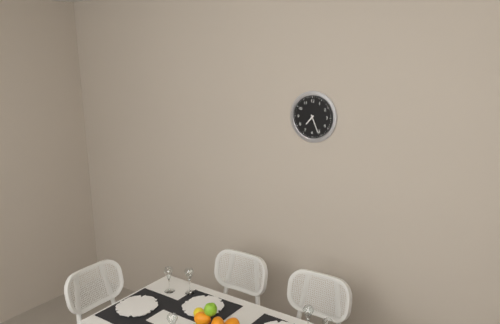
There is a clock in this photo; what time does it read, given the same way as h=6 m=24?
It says h=7 m=26
